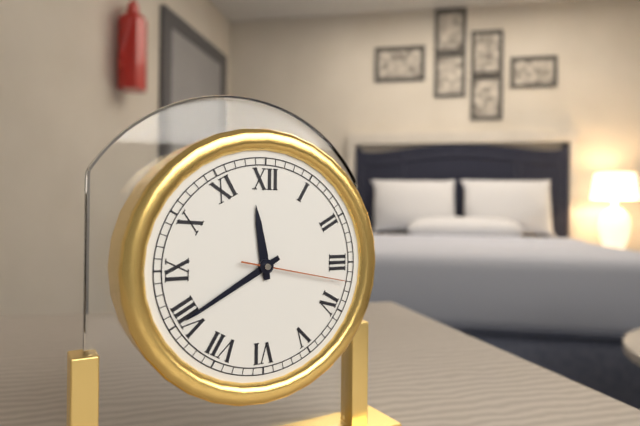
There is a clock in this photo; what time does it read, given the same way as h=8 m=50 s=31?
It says h=11 m=40 s=17
